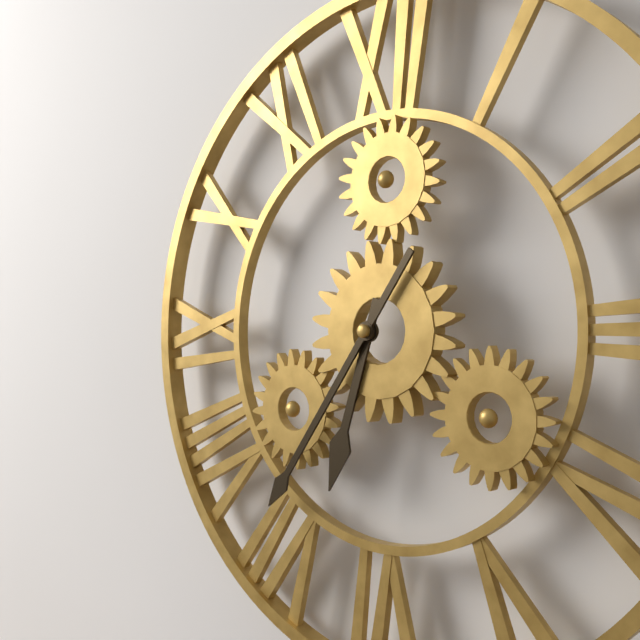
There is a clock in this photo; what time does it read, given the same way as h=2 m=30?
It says h=6 m=36
